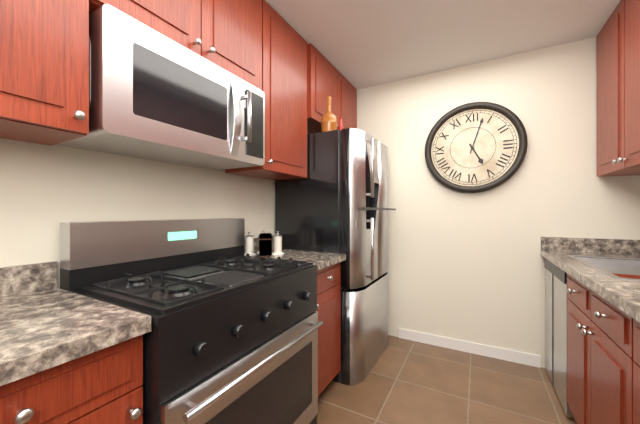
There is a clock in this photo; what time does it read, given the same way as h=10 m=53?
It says h=5 m=3
